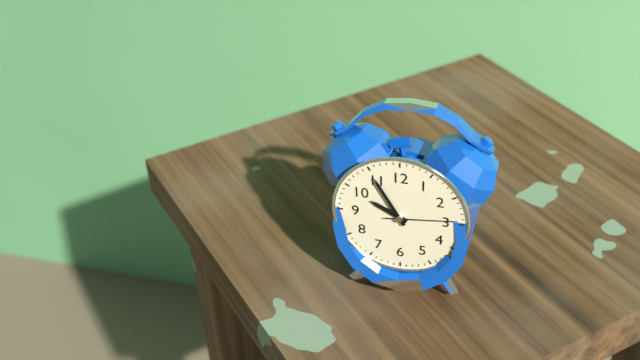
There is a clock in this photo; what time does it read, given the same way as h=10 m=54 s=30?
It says h=9 m=55 s=14
